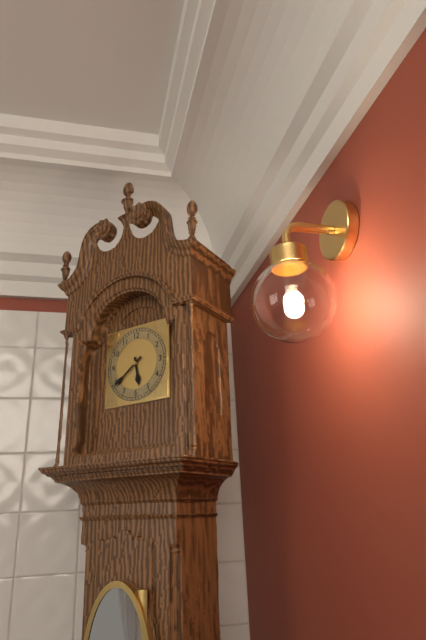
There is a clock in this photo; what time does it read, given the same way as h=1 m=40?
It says h=5 m=39
